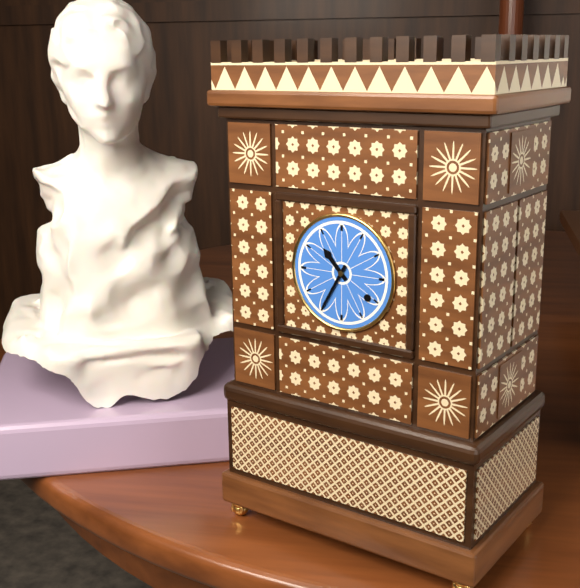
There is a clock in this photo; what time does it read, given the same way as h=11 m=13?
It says h=10 m=35
